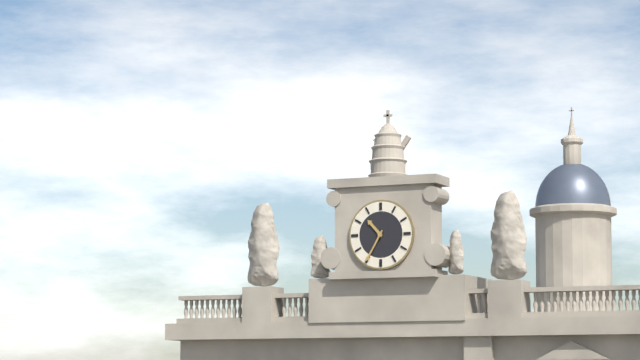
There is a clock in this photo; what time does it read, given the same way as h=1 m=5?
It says h=10 m=35
